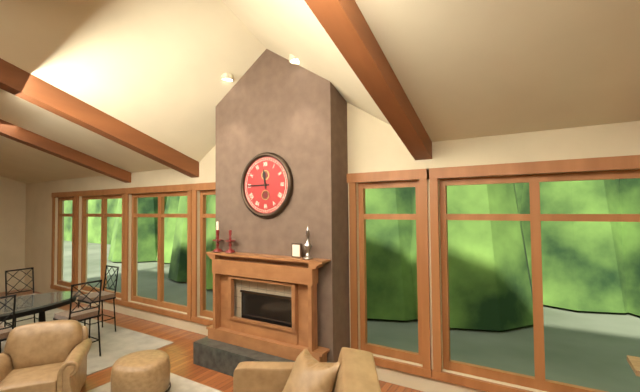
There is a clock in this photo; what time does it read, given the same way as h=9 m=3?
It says h=11 m=45
